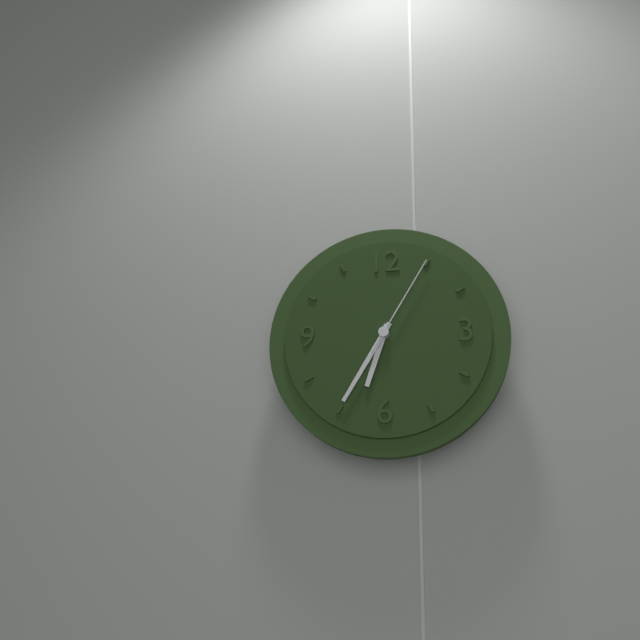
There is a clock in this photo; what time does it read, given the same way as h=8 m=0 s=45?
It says h=6 m=35 s=5
